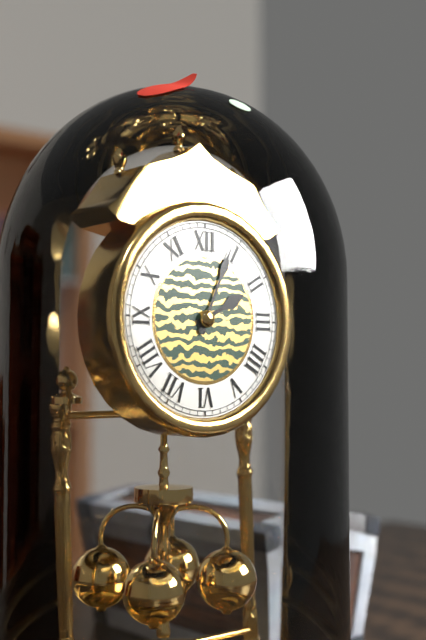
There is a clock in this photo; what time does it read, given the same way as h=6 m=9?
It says h=2 m=4
